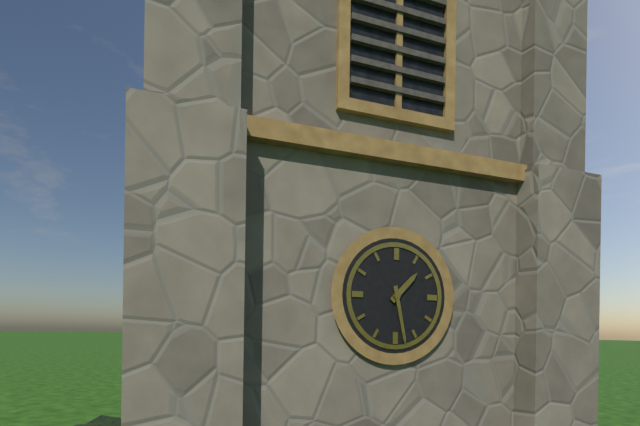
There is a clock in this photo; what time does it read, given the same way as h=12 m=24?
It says h=1 m=28
